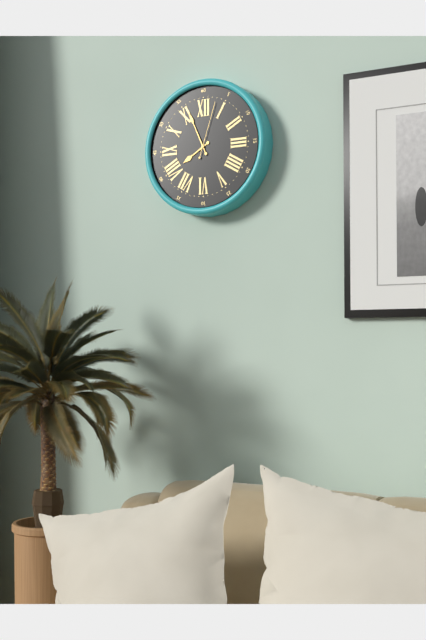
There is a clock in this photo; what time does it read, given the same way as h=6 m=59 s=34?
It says h=7 m=56 s=3
